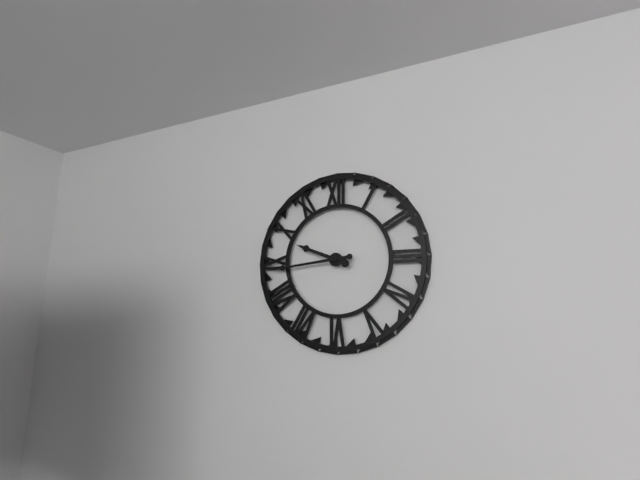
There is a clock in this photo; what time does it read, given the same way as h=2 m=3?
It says h=9 m=44
